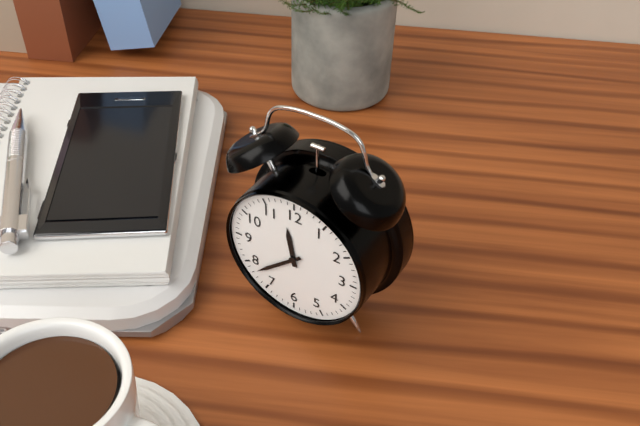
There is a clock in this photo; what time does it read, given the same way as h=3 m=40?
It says h=11 m=38
